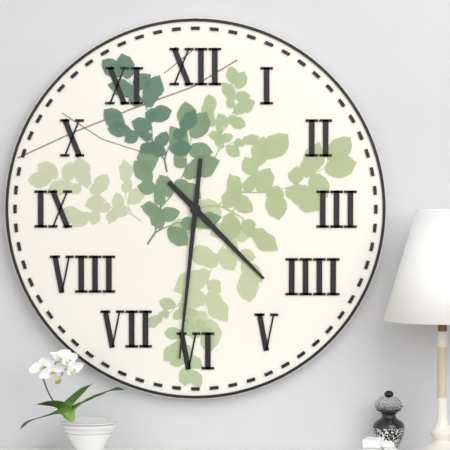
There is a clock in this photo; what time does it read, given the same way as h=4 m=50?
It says h=4 m=31
